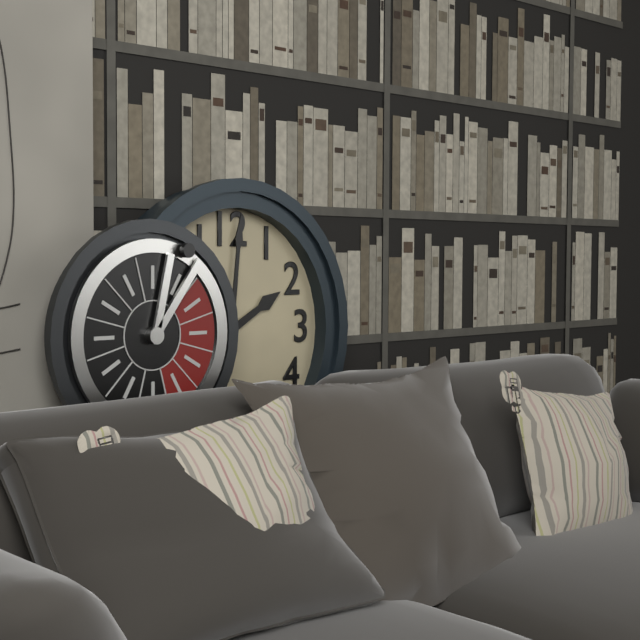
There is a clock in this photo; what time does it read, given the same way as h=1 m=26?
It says h=2 m=1
